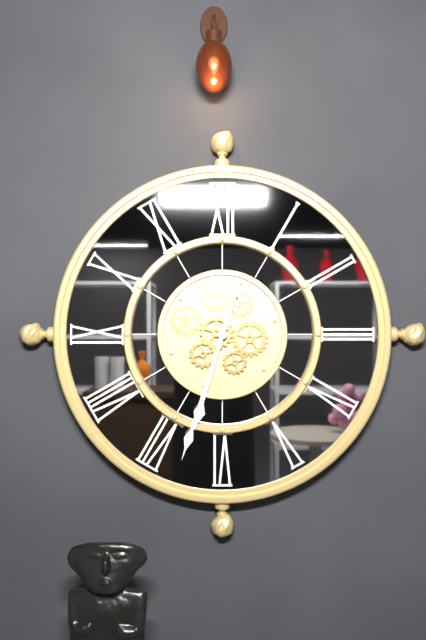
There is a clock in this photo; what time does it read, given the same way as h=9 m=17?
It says h=6 m=33
